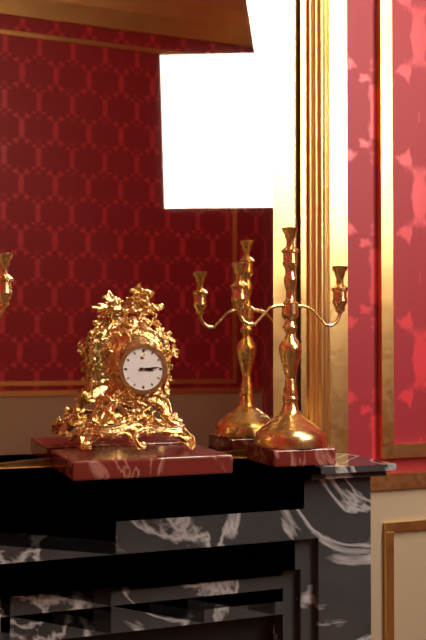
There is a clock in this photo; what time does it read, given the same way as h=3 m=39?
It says h=3 m=14
